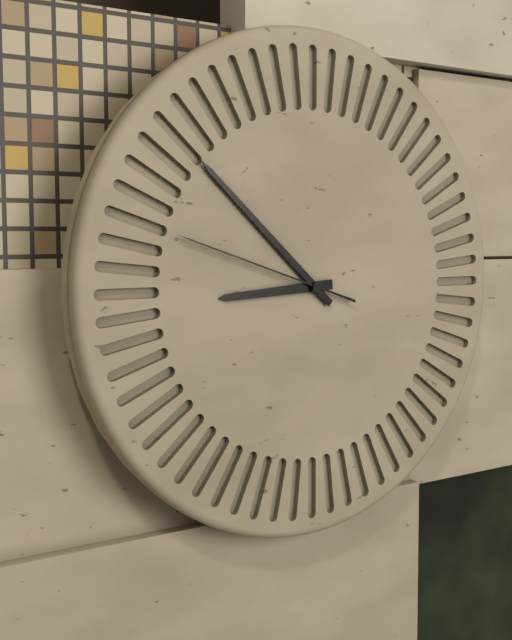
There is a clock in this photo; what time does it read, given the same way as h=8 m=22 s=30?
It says h=8 m=52 s=48
